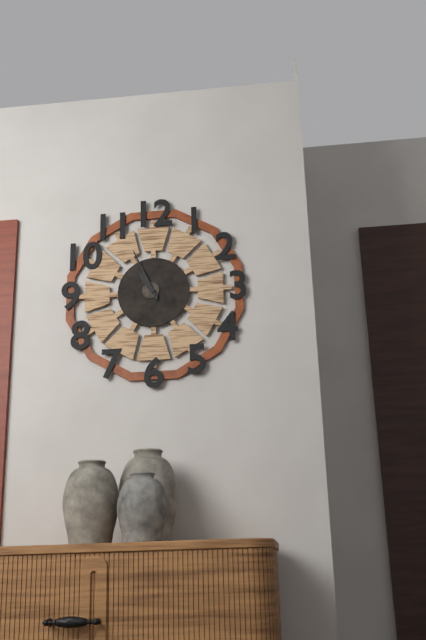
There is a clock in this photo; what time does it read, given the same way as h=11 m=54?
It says h=10 m=56
